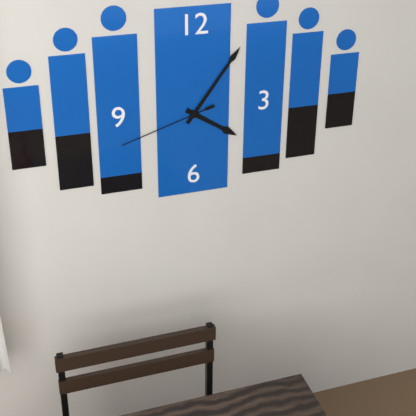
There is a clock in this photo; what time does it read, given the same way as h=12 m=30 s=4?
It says h=4 m=6 s=42
